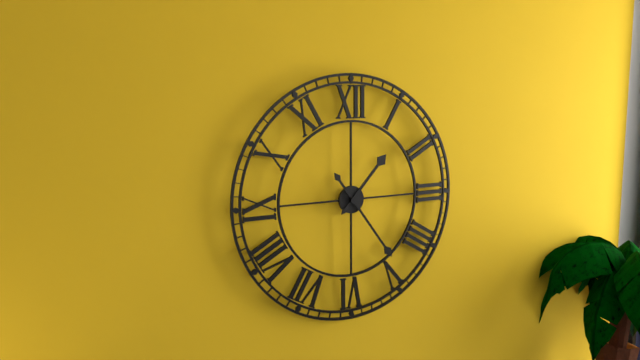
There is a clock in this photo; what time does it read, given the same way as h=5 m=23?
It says h=1 m=24
